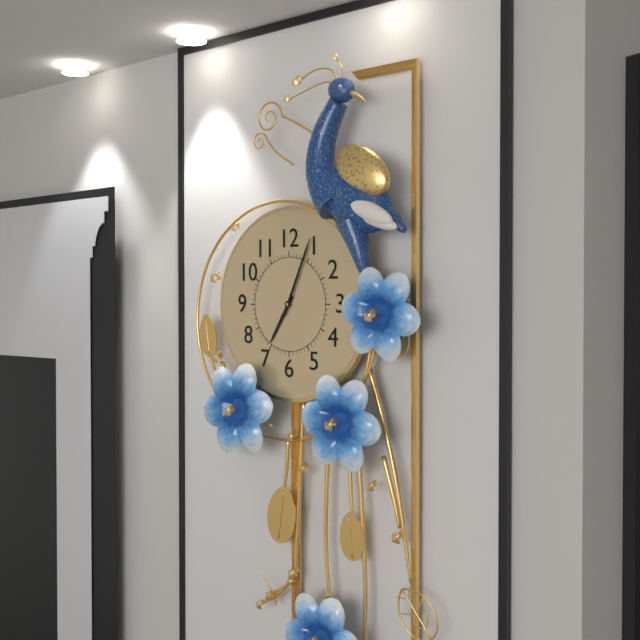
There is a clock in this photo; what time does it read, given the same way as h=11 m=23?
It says h=7 m=4
